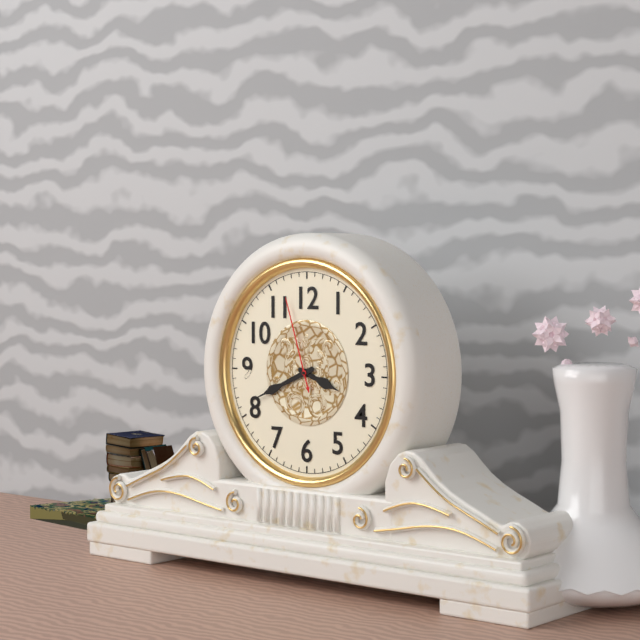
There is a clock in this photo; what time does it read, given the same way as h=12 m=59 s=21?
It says h=3 m=41 s=57
